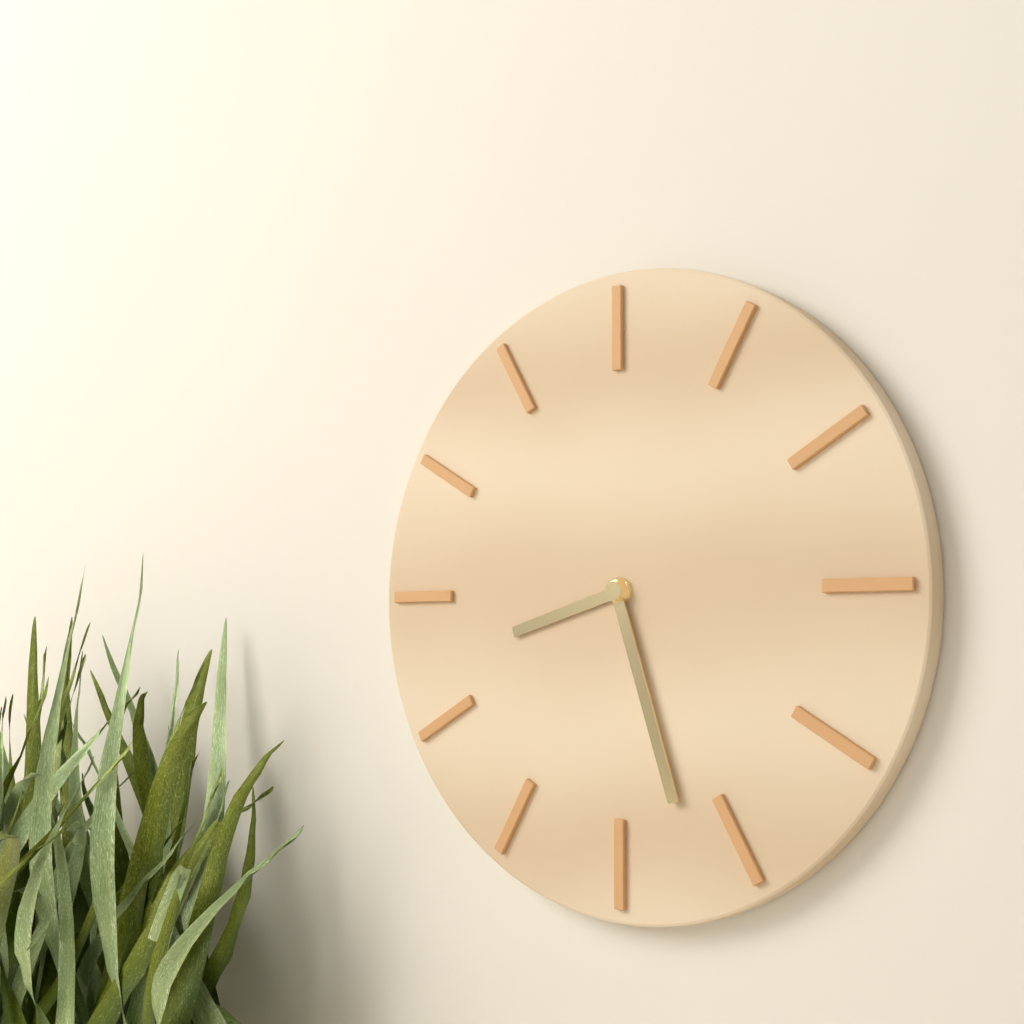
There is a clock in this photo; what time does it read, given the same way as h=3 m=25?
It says h=8 m=27
